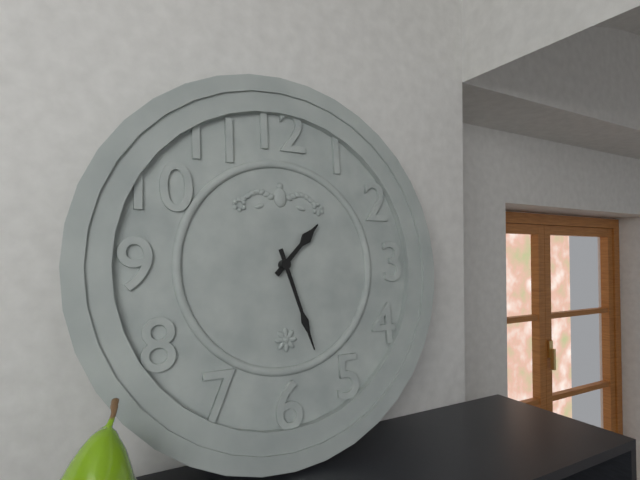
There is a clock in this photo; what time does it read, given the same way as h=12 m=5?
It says h=1 m=27
